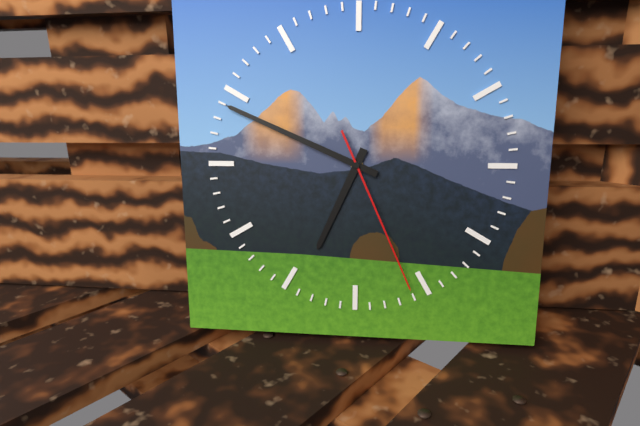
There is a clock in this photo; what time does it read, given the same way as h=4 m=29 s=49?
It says h=6 m=49 s=26
